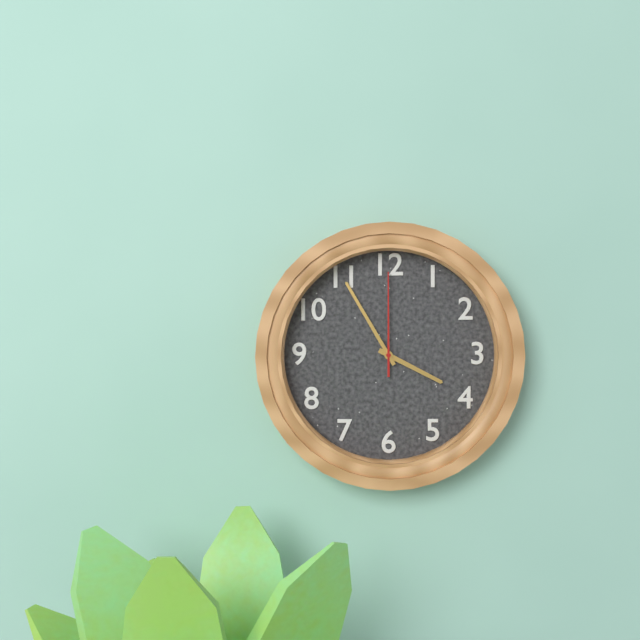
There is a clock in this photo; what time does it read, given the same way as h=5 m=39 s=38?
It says h=3 m=55 s=0
